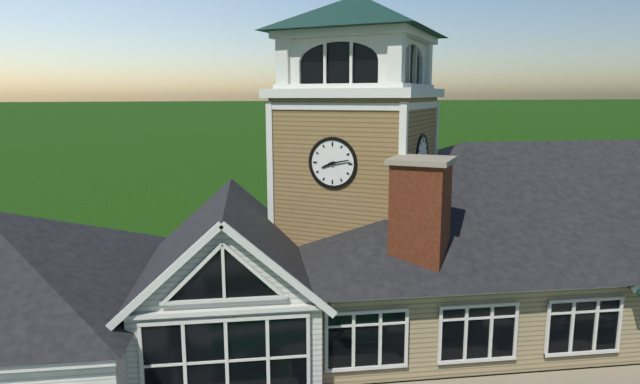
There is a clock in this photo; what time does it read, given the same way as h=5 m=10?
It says h=8 m=13
